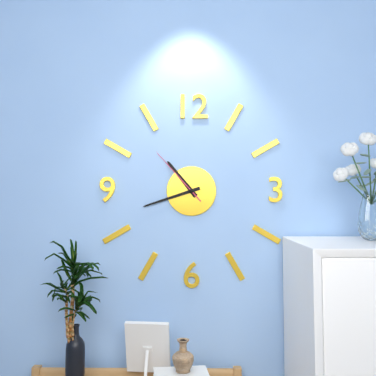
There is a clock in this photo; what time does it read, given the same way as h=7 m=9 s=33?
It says h=10 m=42 s=53
